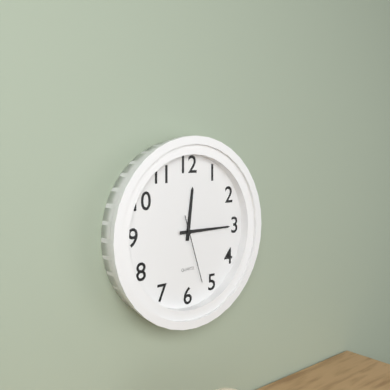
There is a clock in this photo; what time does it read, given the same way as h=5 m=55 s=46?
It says h=12 m=15 s=27
